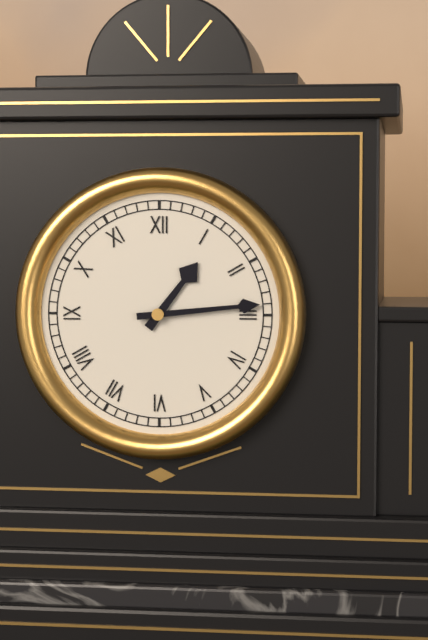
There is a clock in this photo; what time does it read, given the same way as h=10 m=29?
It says h=1 m=14
